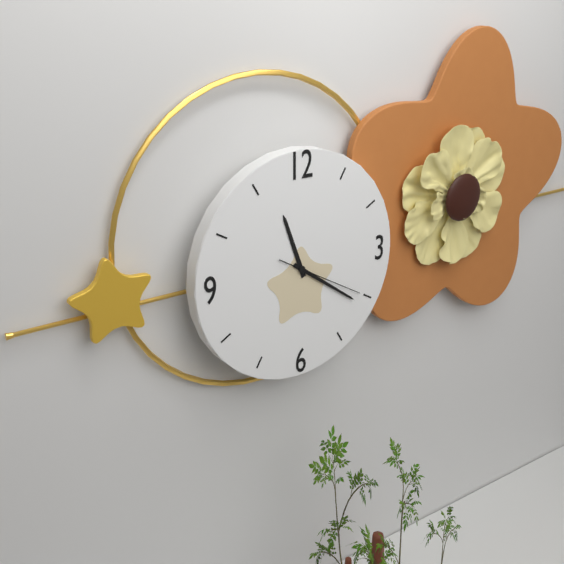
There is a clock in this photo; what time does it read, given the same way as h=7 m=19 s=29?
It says h=11 m=21 s=20
